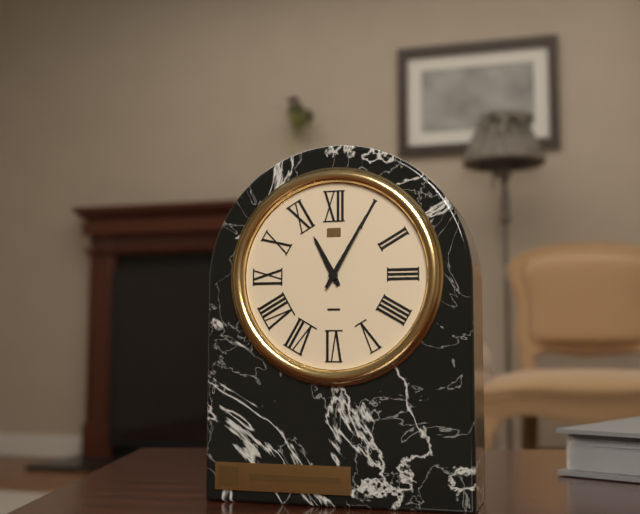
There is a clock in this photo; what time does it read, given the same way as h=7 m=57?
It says h=11 m=5
